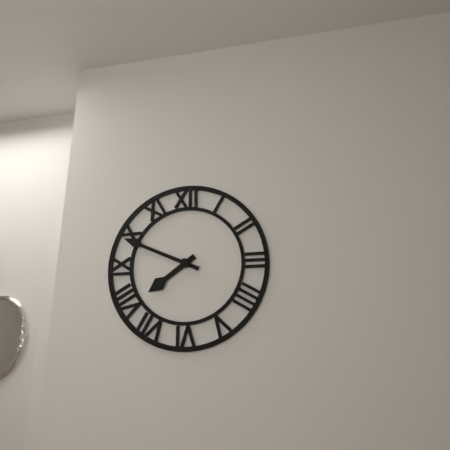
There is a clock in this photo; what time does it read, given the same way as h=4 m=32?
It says h=7 m=49
